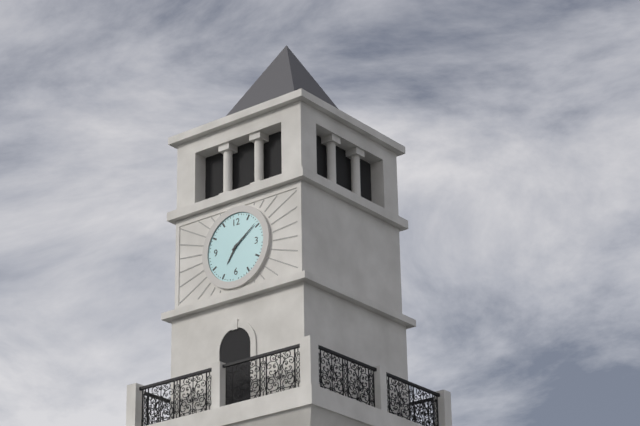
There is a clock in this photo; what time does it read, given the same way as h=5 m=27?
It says h=7 m=9
